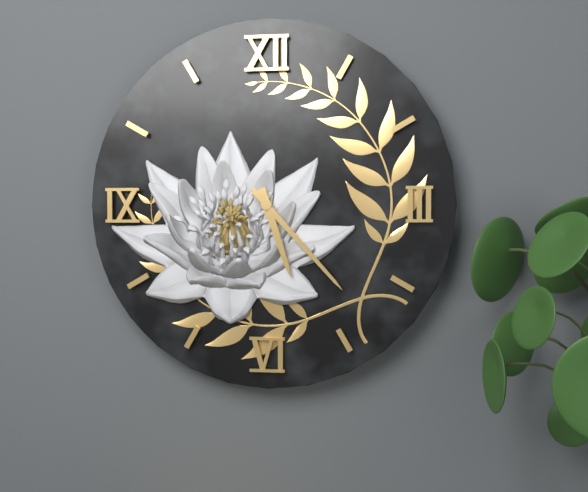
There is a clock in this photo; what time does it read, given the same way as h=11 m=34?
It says h=5 m=23
